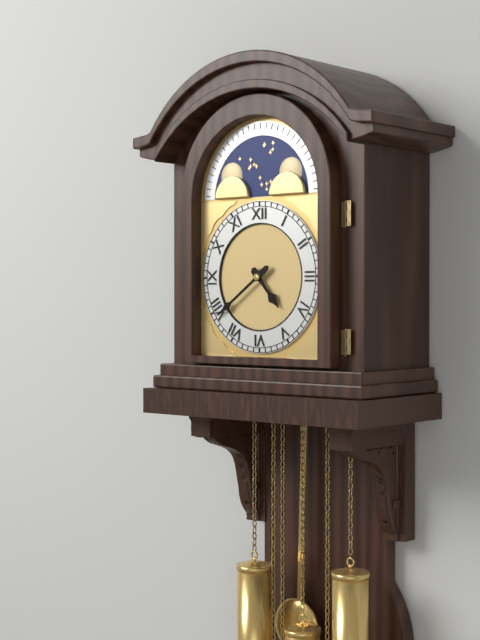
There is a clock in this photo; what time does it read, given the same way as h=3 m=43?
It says h=4 m=39
